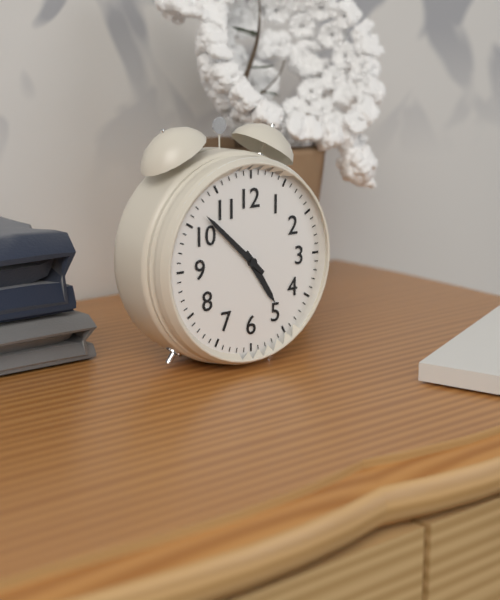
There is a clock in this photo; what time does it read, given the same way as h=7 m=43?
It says h=4 m=52
